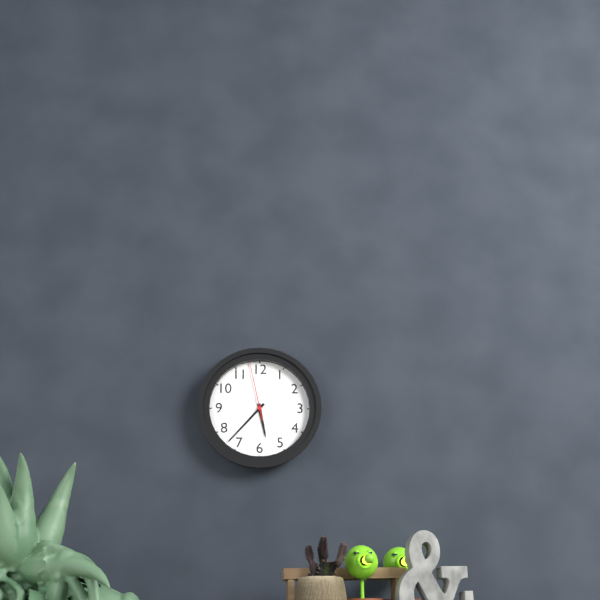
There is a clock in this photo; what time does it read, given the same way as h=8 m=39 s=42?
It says h=5 m=37 s=58
